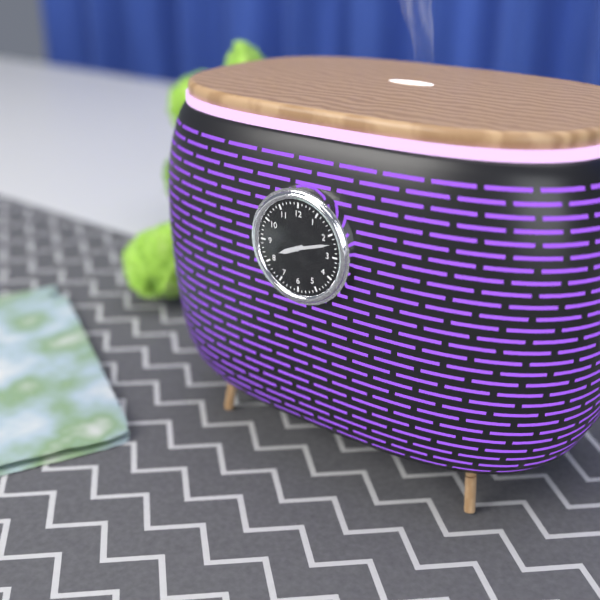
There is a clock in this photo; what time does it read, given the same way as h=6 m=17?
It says h=8 m=12
